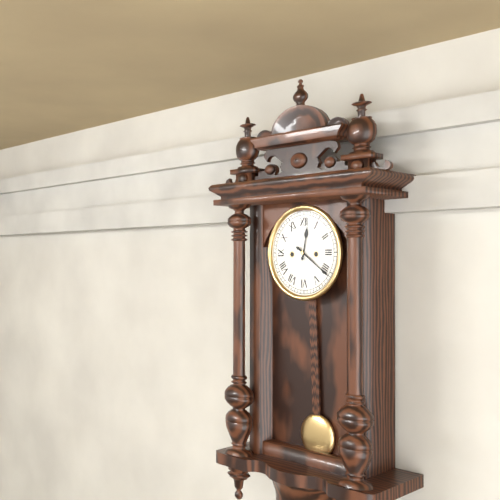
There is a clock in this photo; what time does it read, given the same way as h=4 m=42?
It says h=12 m=21
